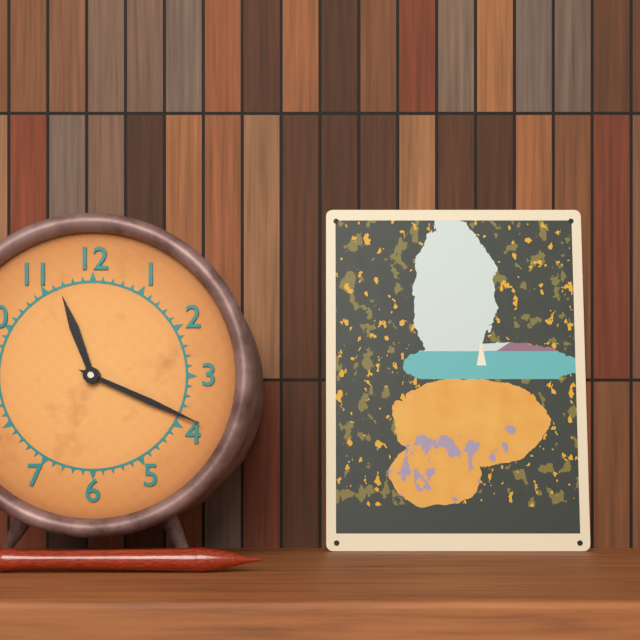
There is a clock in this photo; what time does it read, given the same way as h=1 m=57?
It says h=11 m=19
